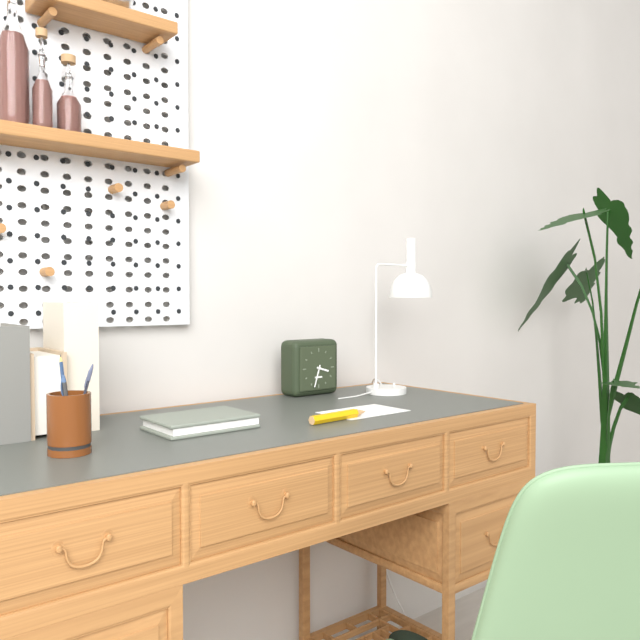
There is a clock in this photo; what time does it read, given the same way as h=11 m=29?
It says h=3 m=33
